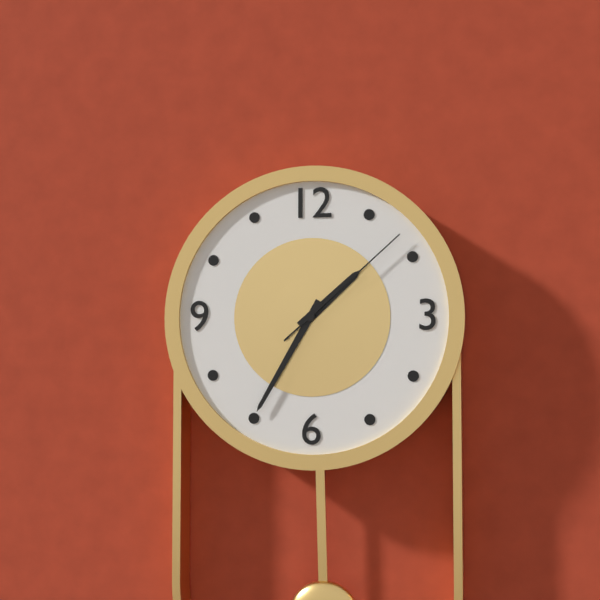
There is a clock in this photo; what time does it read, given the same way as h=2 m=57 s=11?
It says h=1 m=35 s=8
